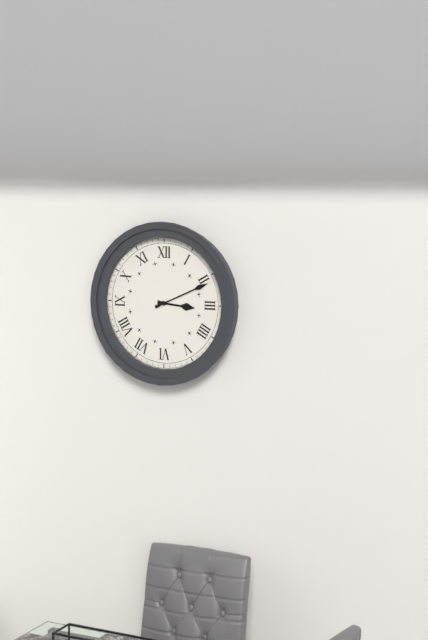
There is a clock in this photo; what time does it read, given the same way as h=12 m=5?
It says h=3 m=11
